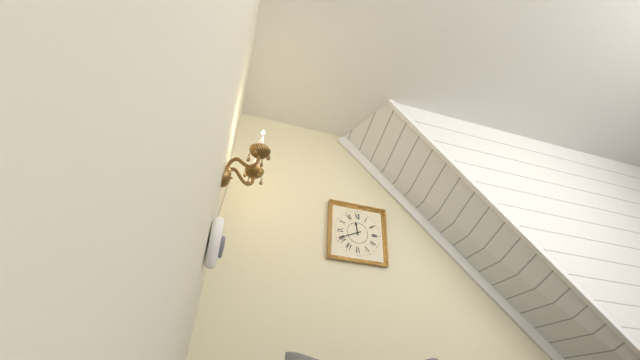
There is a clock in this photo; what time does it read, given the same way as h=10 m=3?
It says h=11 m=41
